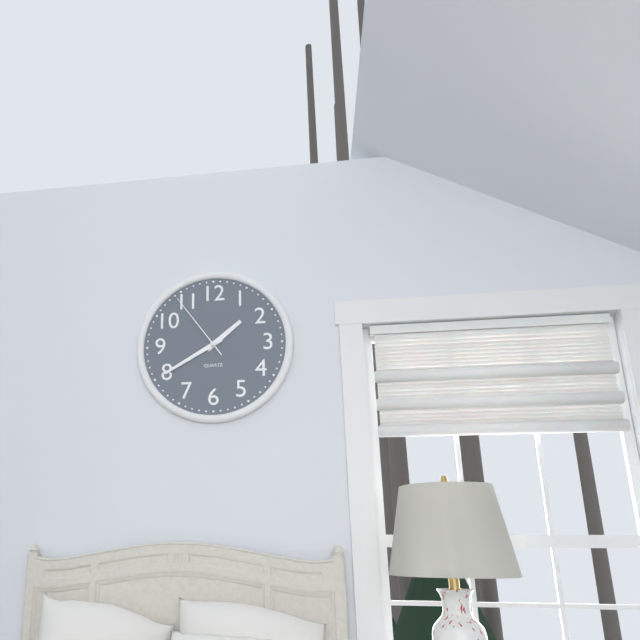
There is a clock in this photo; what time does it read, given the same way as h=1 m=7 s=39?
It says h=1 m=40 s=54
